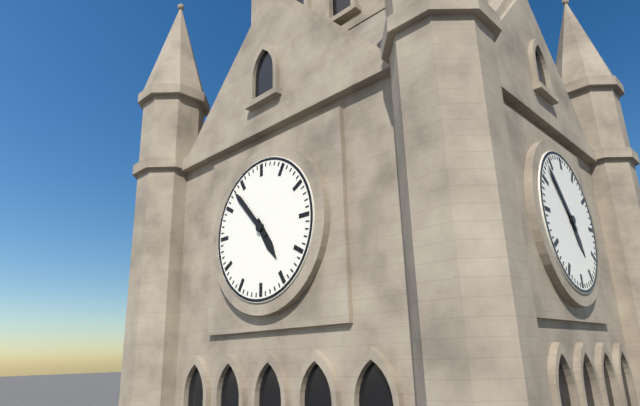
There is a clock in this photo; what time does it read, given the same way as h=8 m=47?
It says h=4 m=53
